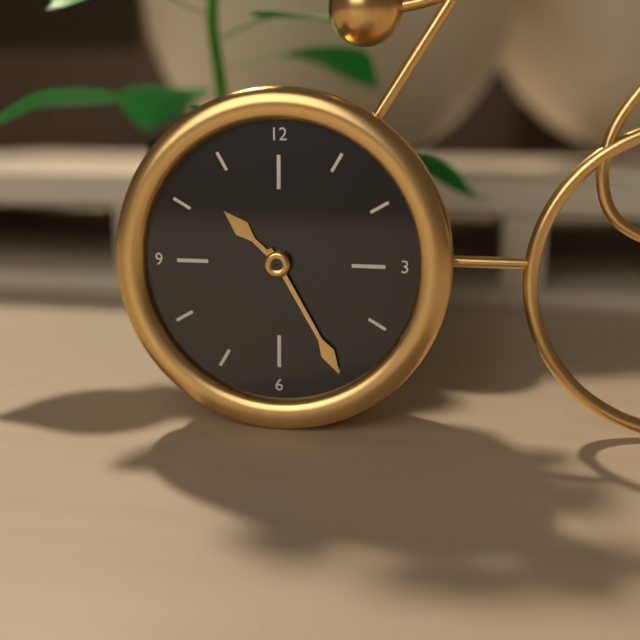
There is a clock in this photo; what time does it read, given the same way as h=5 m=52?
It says h=10 m=25
